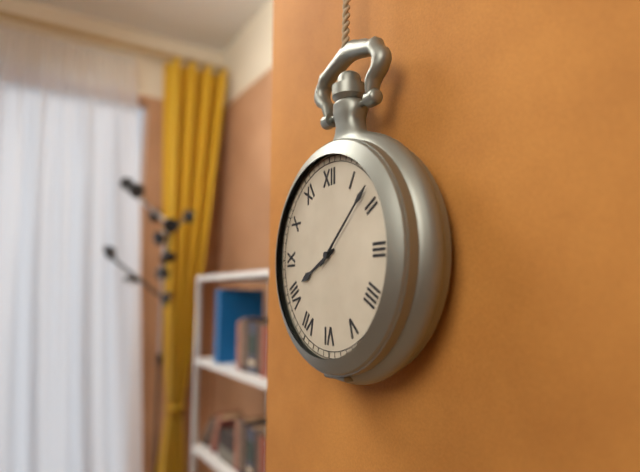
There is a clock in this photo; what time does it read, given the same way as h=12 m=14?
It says h=8 m=8
